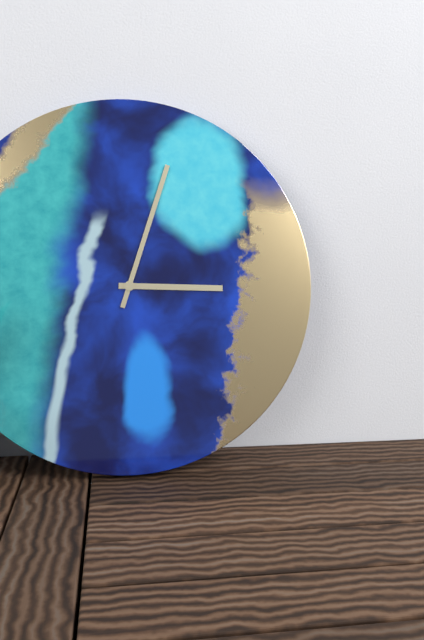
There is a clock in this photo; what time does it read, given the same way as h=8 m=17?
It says h=3 m=3
